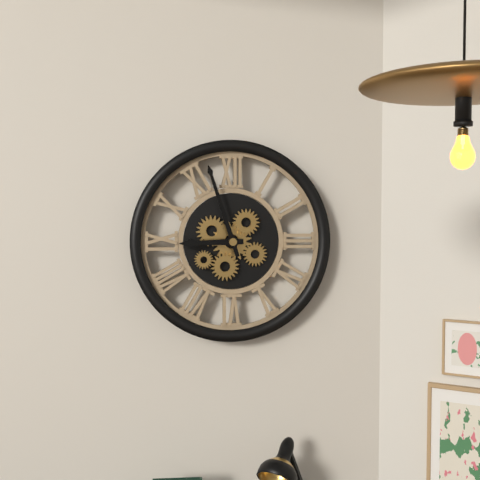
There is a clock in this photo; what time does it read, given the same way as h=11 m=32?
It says h=8 m=57
